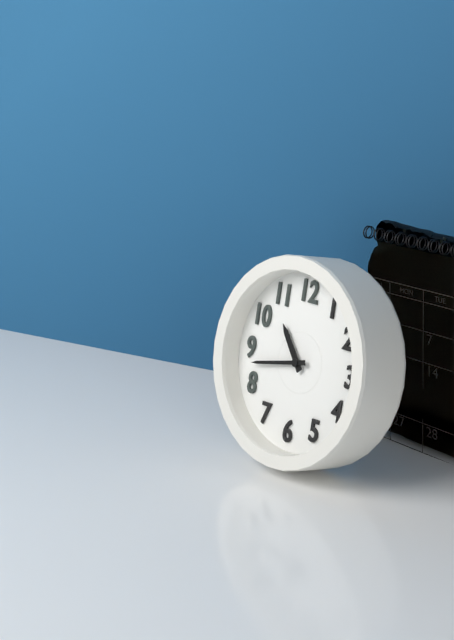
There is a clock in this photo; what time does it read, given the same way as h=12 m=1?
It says h=10 m=43
